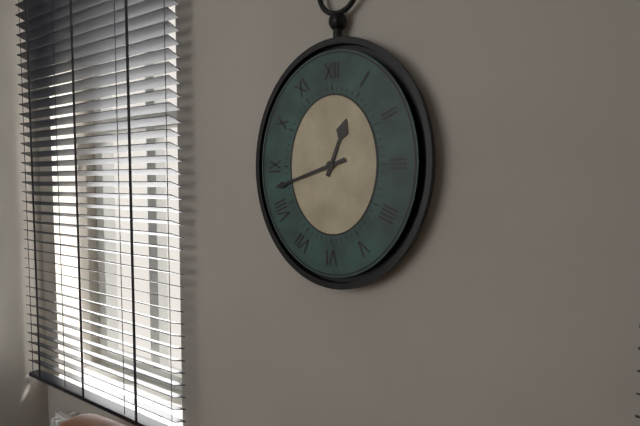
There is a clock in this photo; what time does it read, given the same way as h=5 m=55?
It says h=12 m=42
